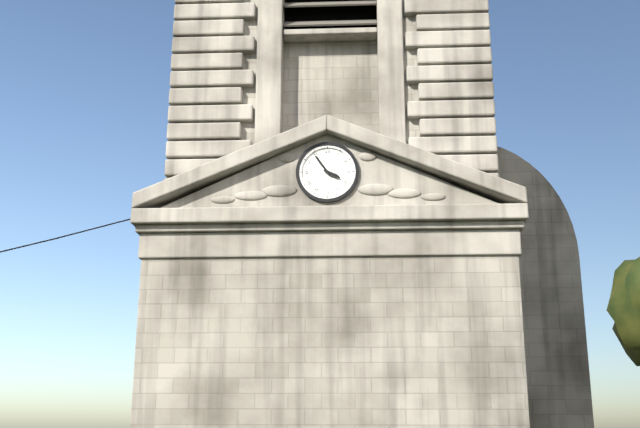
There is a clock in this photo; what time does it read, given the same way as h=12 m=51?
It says h=3 m=54
